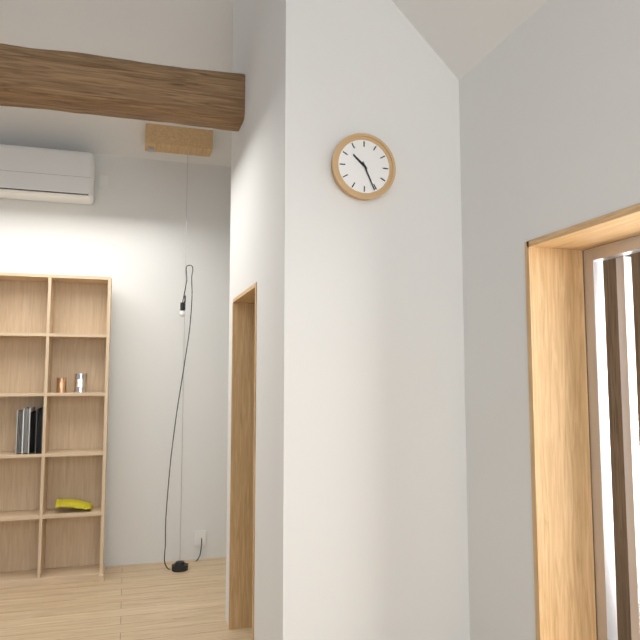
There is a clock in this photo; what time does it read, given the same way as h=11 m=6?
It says h=10 m=26
